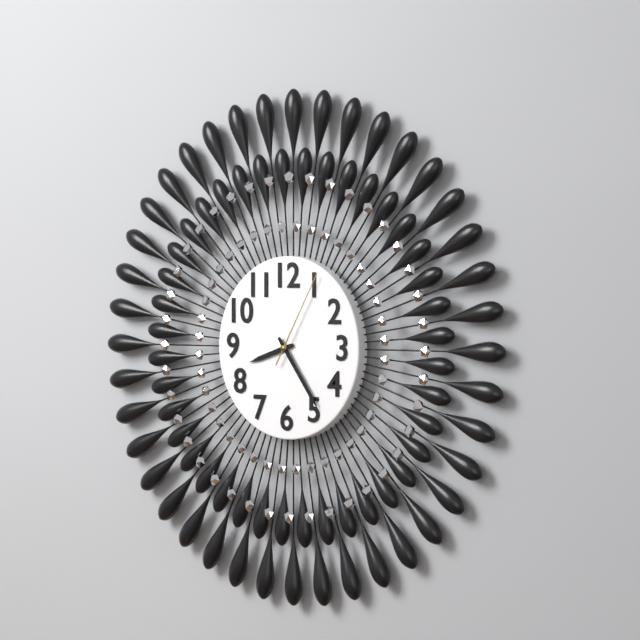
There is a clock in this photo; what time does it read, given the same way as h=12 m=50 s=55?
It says h=8 m=24 s=5
